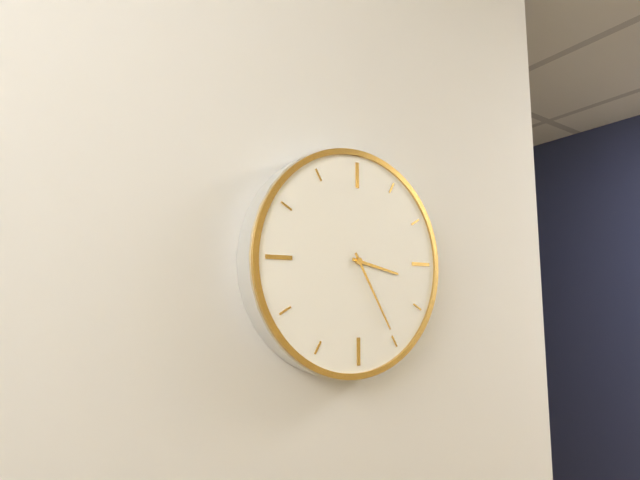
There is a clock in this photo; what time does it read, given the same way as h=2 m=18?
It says h=3 m=25
